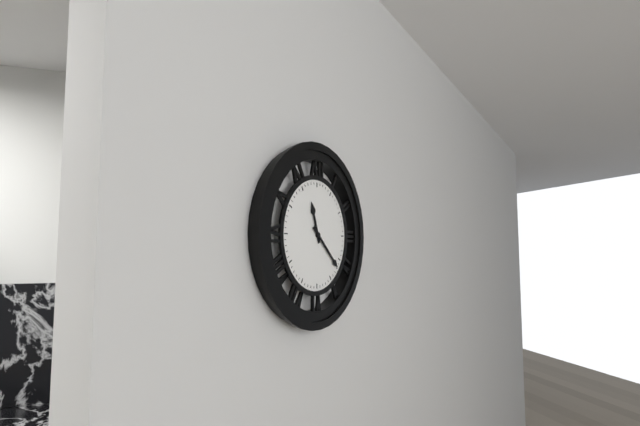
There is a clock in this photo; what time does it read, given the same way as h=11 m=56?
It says h=11 m=22
